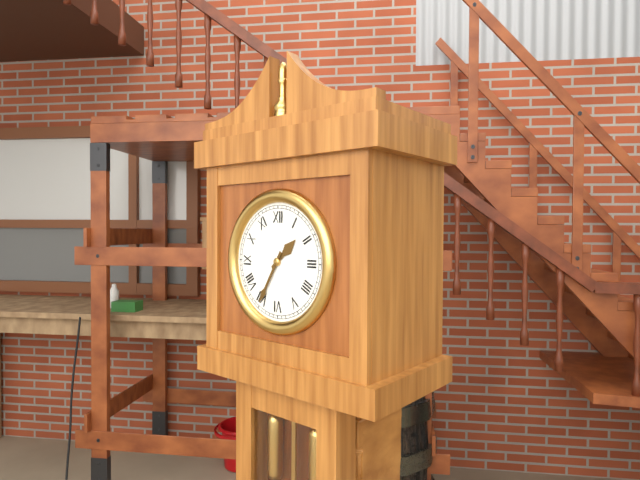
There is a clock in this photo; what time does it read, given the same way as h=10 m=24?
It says h=1 m=35
